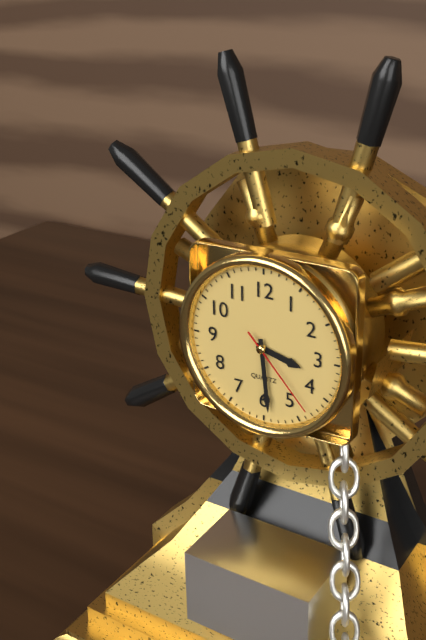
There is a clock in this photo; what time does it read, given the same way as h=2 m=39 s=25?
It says h=3 m=29 s=23
